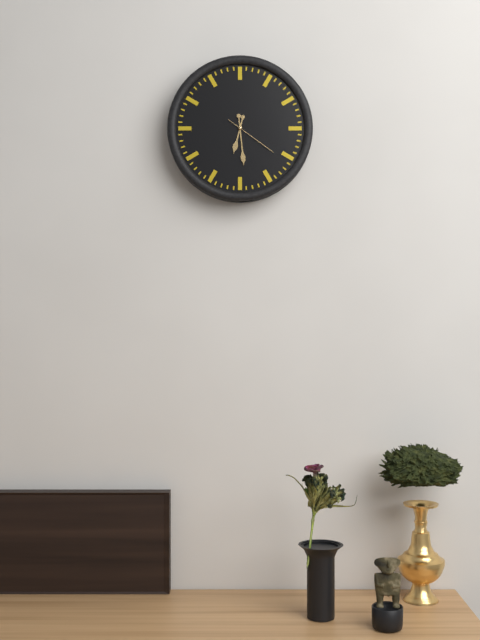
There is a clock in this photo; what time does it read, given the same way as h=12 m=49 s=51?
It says h=6 m=29 s=21
